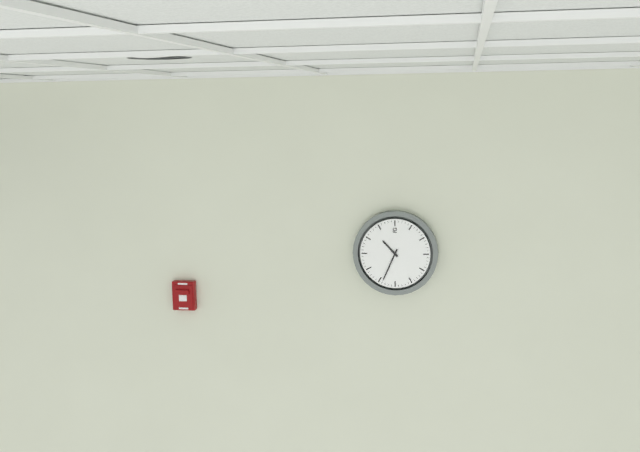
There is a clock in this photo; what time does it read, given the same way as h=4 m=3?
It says h=10 m=34
